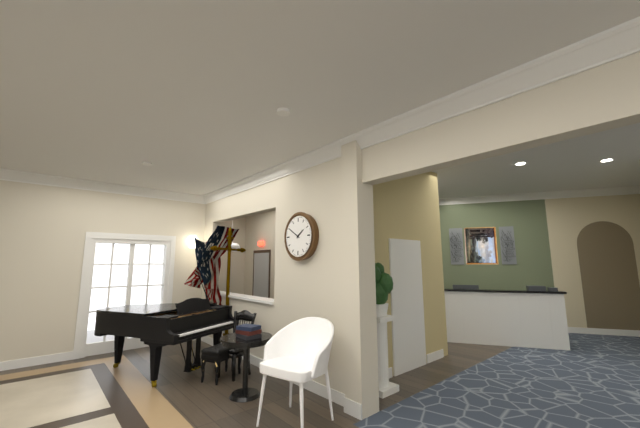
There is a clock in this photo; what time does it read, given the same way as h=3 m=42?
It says h=1 m=50
